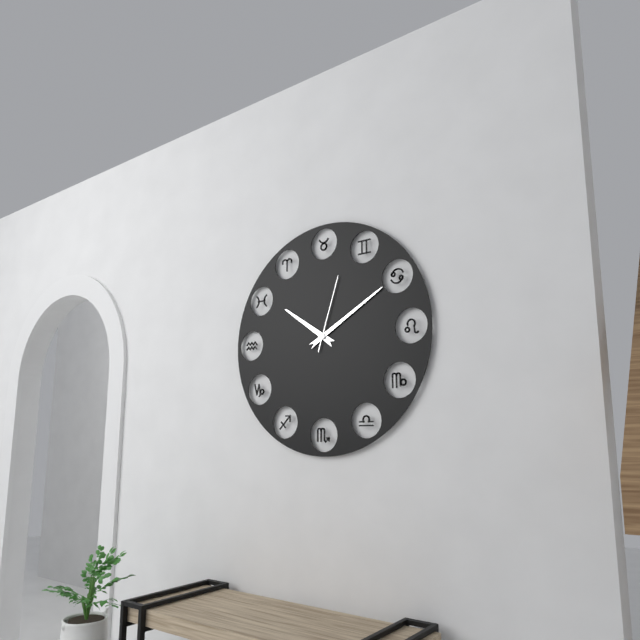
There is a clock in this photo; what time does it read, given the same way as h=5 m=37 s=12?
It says h=10 m=10 s=3
